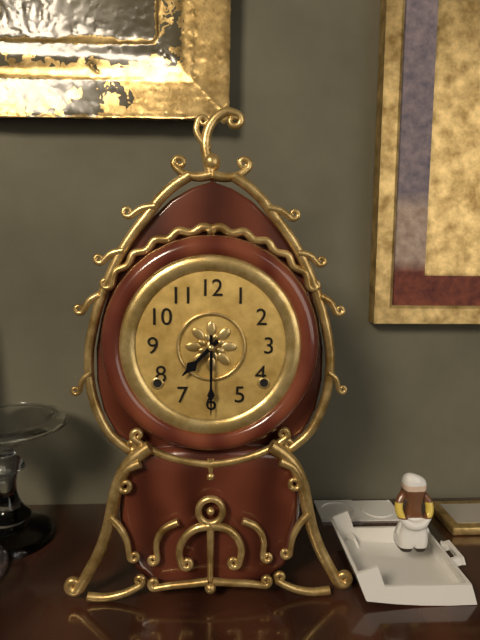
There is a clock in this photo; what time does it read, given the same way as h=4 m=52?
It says h=7 m=30
